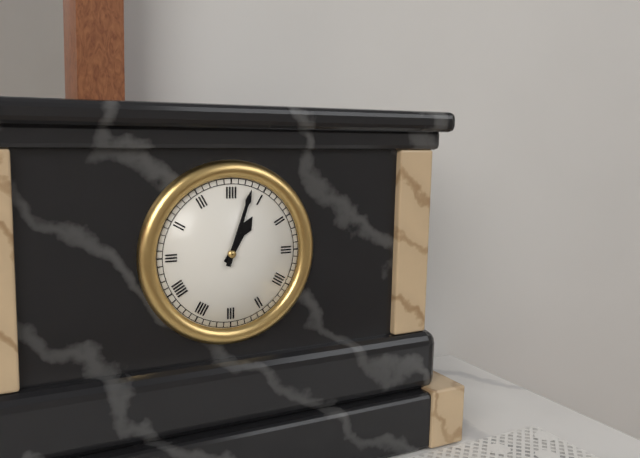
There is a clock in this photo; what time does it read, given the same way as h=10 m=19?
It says h=1 m=3
